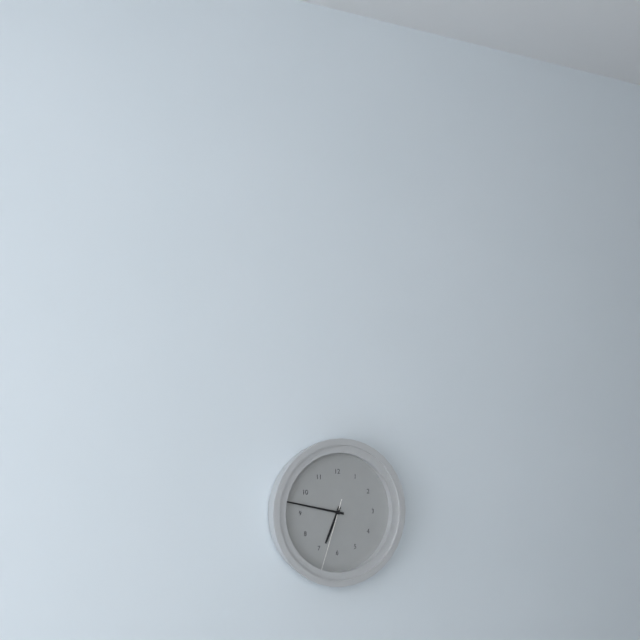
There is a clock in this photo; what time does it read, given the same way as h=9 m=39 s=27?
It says h=6 m=47 s=33
